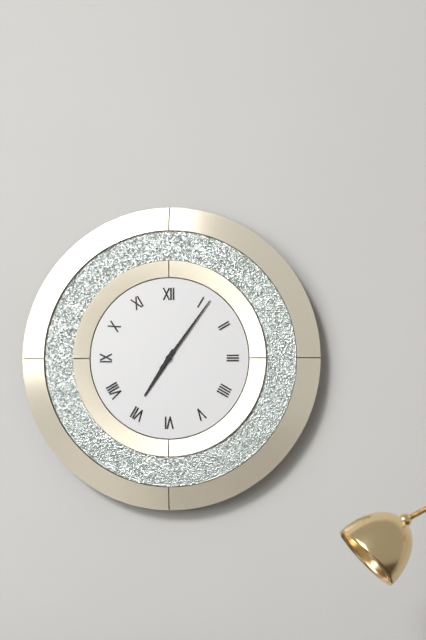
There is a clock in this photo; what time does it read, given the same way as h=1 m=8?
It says h=7 m=6
